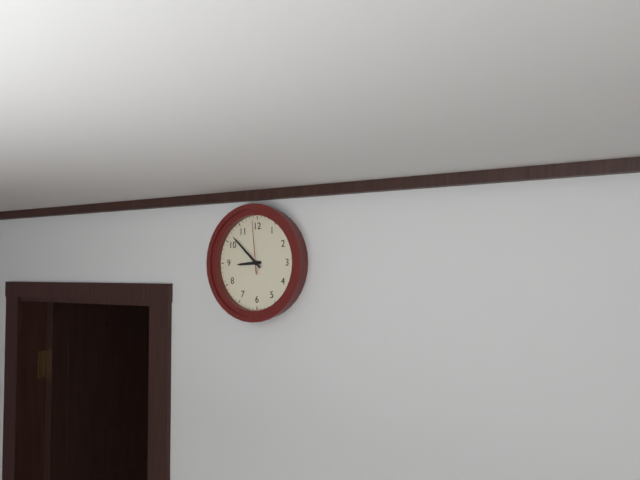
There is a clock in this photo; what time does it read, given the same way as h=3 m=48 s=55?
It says h=8 m=52 s=59
